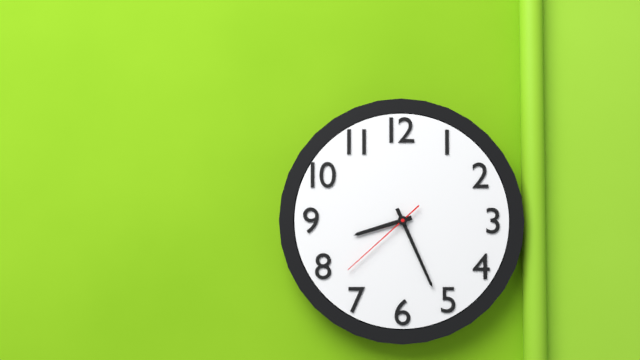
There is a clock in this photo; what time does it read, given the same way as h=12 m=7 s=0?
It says h=8 m=26 s=38
